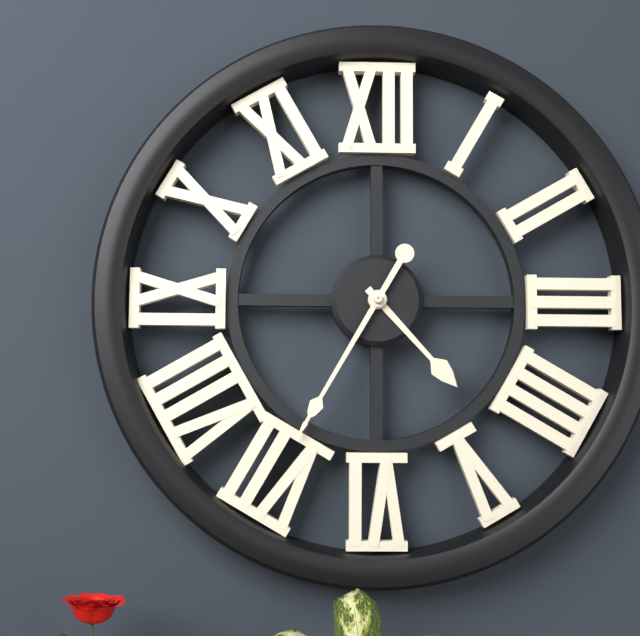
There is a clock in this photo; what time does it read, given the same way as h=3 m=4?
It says h=4 m=35
